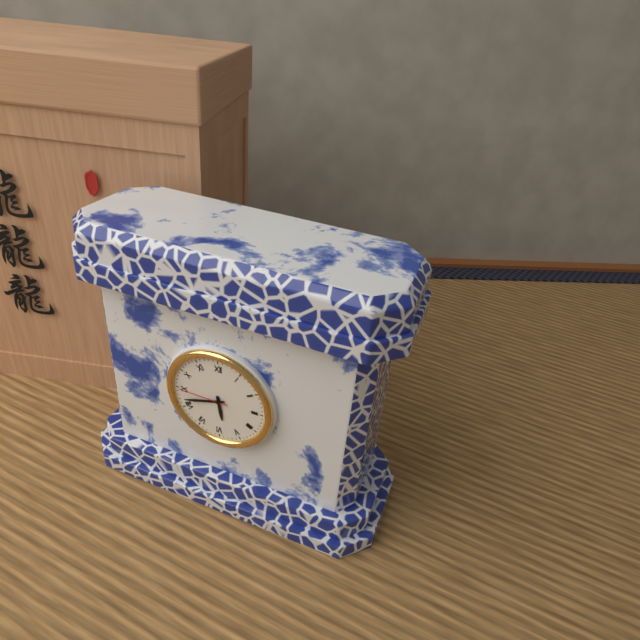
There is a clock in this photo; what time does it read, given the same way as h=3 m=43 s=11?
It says h=5 m=42 s=45
